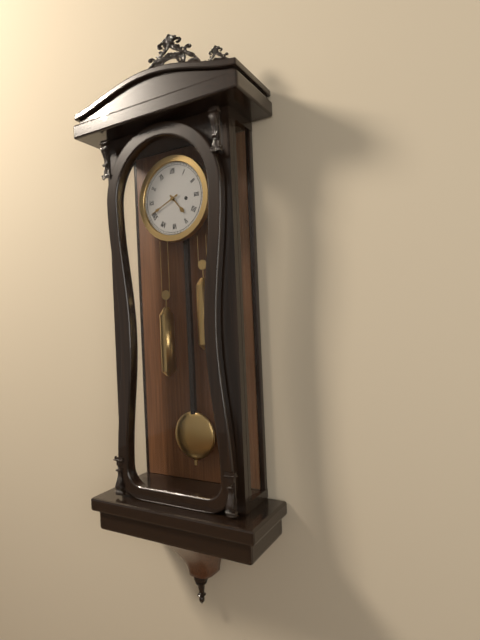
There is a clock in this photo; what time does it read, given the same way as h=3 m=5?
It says h=4 m=41
